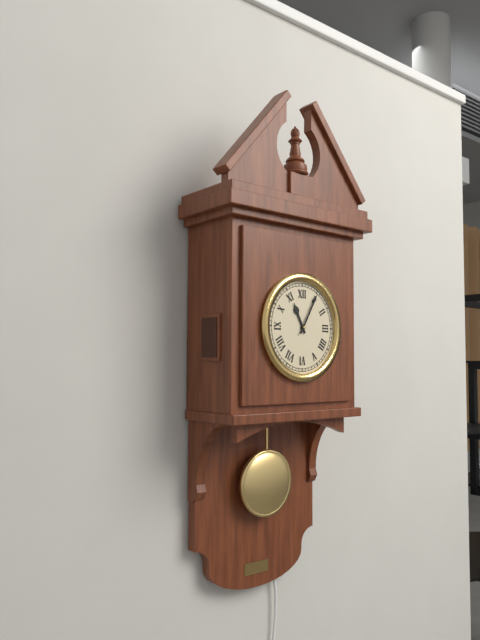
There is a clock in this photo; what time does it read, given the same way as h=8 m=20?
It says h=11 m=5
